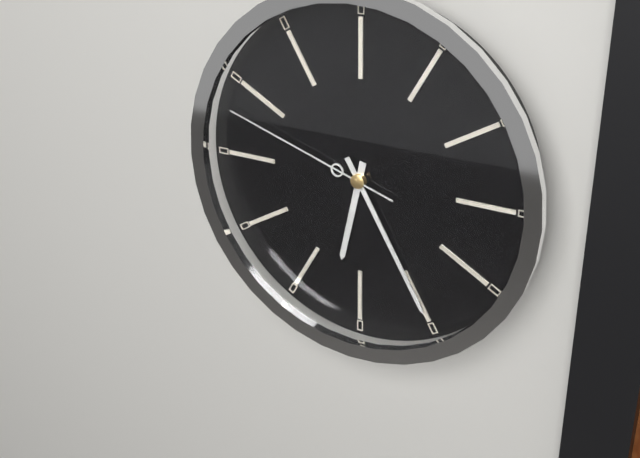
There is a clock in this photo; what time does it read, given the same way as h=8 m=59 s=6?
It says h=6 m=25 s=48
